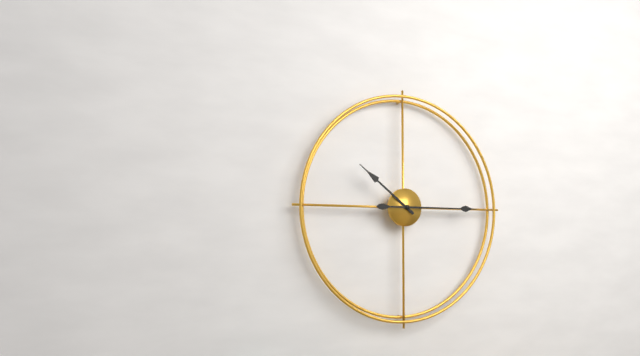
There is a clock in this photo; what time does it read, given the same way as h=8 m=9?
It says h=10 m=15
